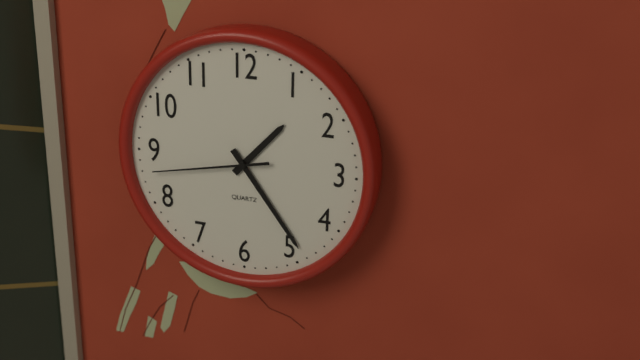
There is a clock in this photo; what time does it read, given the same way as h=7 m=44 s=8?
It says h=1 m=24 s=43
